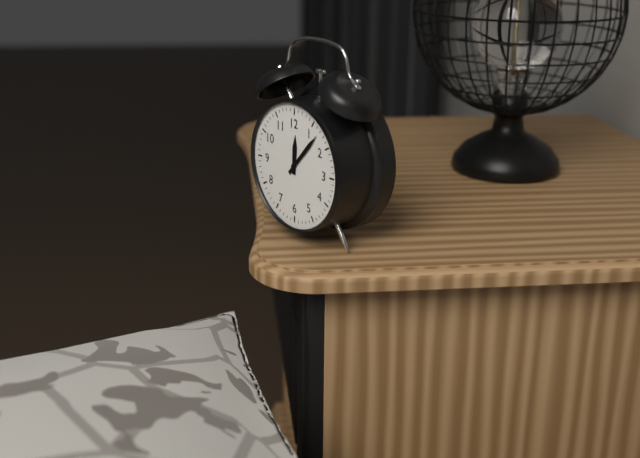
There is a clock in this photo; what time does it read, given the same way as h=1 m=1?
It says h=12 m=7
